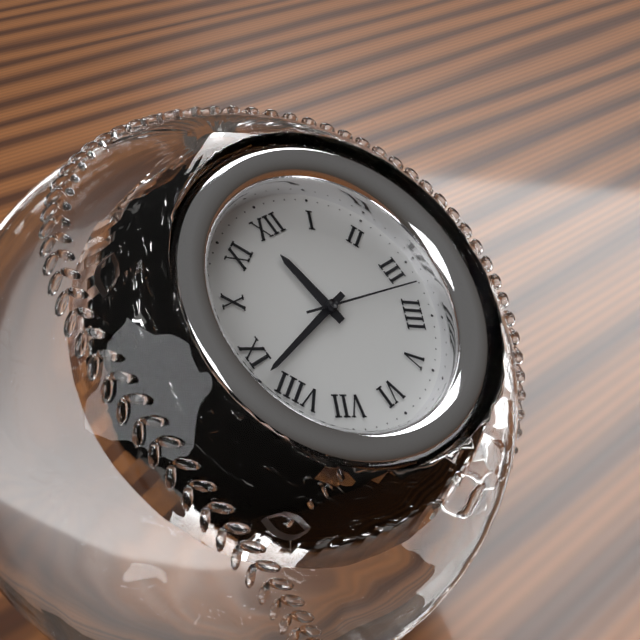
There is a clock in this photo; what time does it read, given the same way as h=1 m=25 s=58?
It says h=11 m=43 s=17
